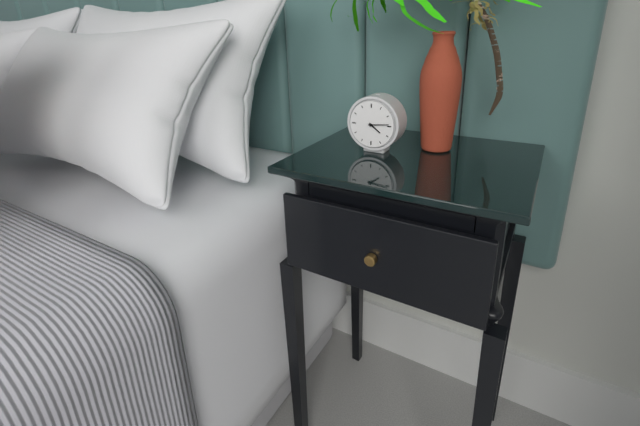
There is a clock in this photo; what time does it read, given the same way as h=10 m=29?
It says h=4 m=14
